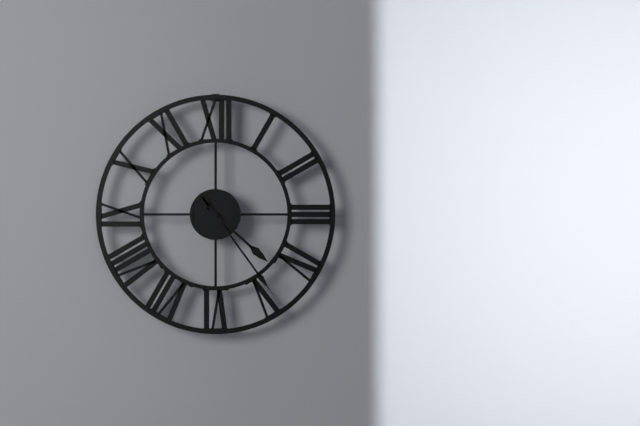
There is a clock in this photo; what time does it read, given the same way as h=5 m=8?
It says h=4 m=24
